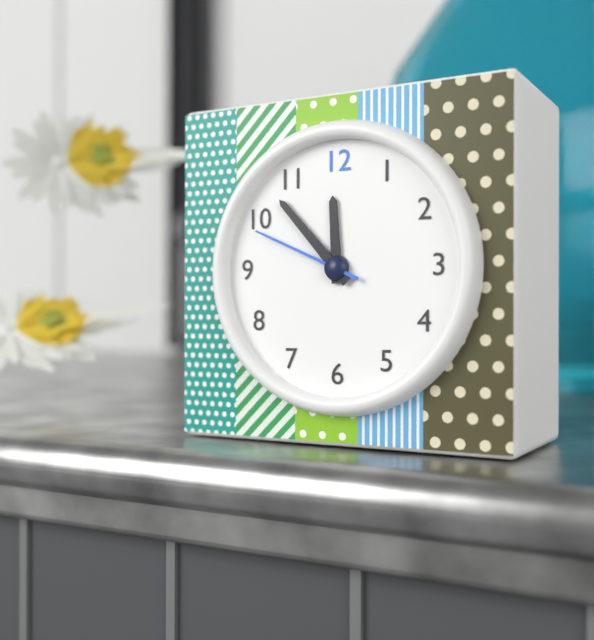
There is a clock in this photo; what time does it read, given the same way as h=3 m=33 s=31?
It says h=11 m=53 s=49
